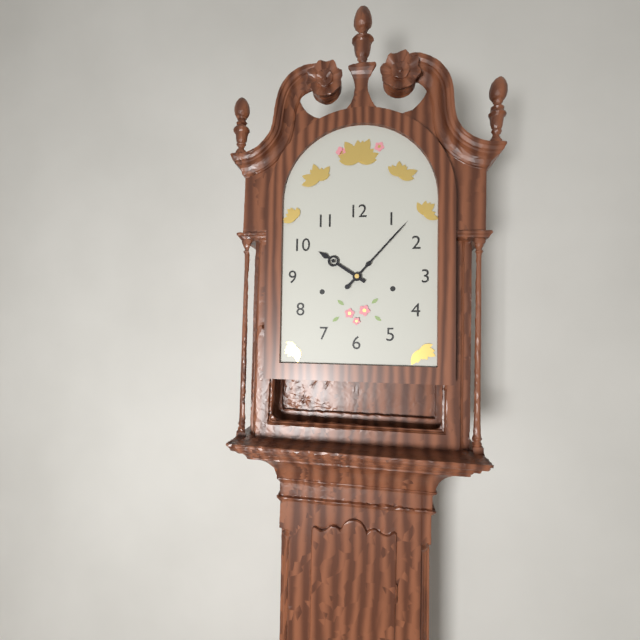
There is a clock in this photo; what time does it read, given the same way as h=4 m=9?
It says h=10 m=7
